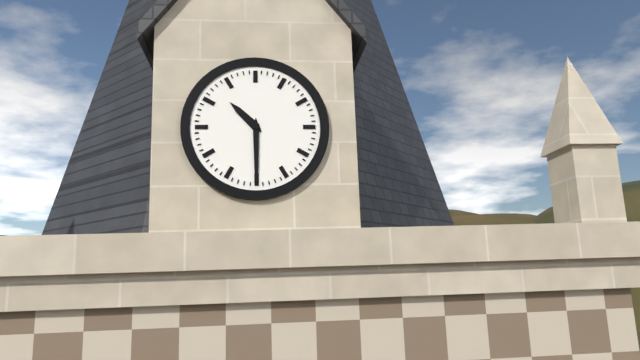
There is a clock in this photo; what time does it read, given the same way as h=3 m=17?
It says h=10 m=30
